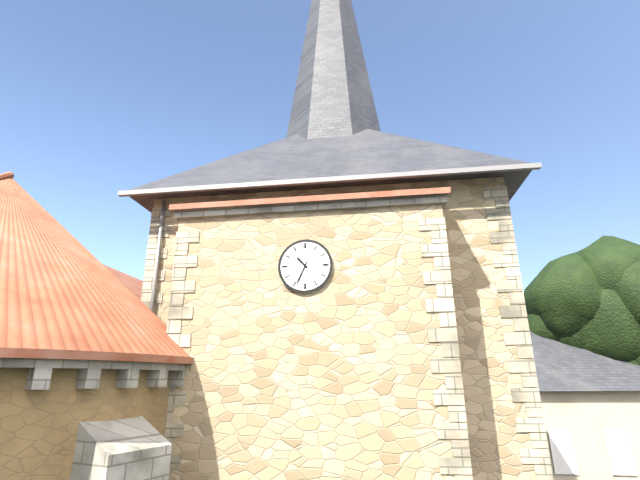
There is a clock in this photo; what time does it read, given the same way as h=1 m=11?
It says h=10 m=34
